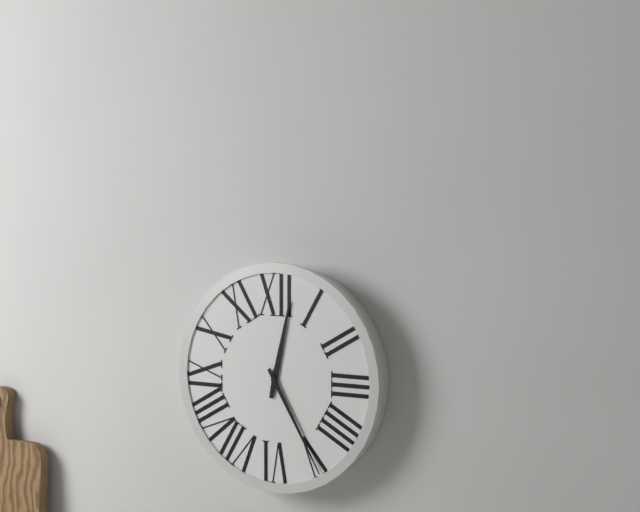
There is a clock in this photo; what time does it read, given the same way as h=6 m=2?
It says h=12 m=25
